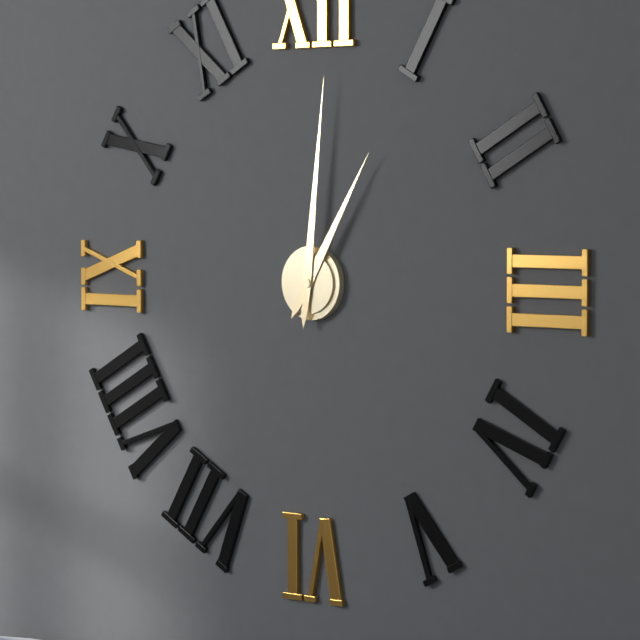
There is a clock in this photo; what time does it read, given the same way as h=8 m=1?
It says h=1 m=1
